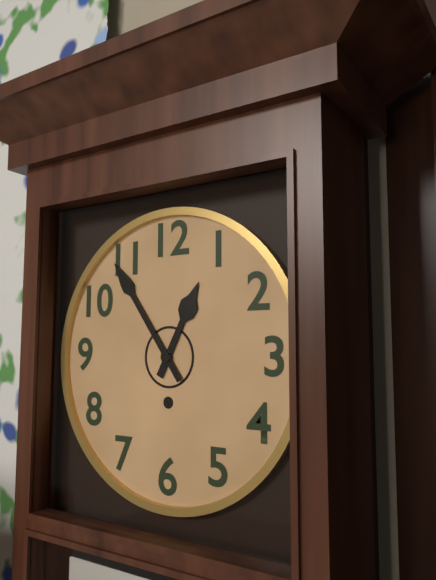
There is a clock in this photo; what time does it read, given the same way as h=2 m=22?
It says h=12 m=54
